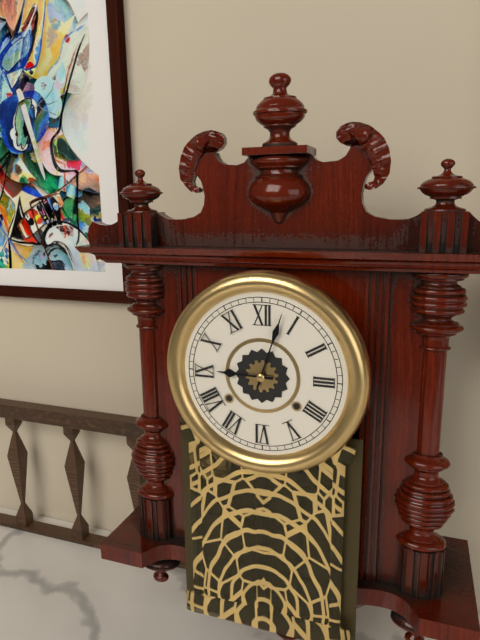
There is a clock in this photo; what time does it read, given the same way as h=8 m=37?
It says h=9 m=3
